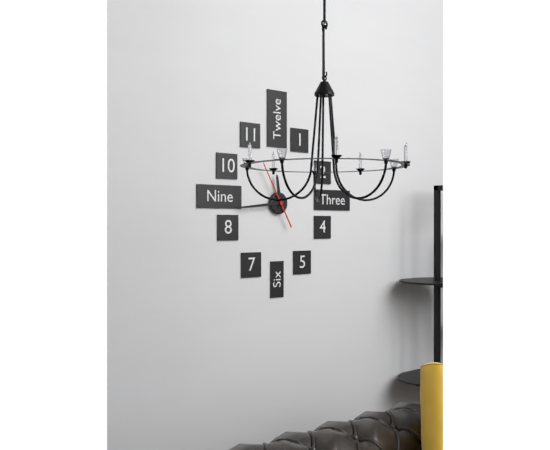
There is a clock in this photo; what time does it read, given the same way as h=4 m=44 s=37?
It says h=11 m=44 s=55
